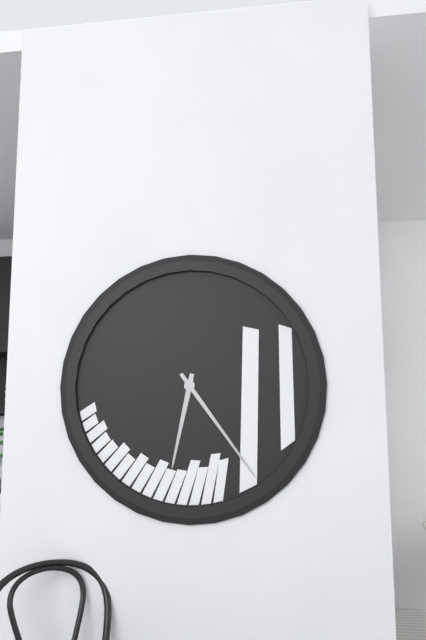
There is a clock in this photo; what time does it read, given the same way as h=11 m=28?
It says h=6 m=24
